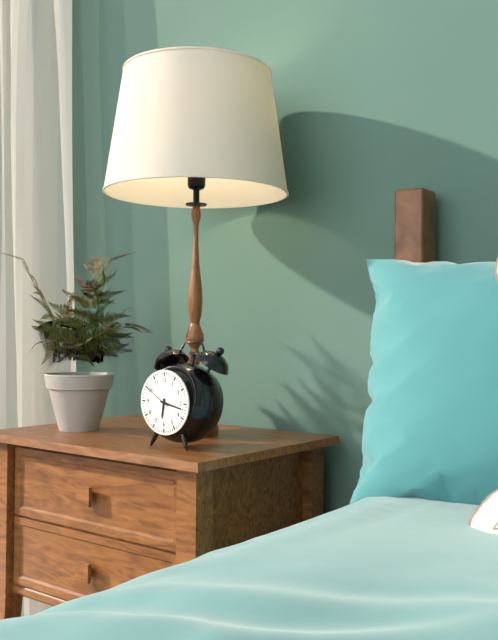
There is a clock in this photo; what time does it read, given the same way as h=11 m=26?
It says h=6 m=17
